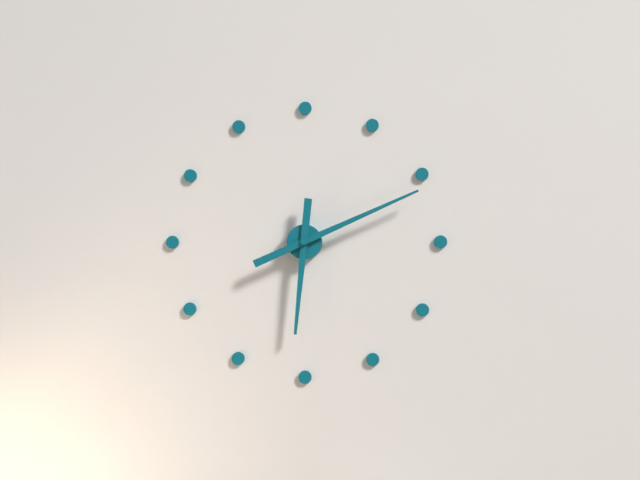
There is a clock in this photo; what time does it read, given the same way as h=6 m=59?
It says h=6 m=11
